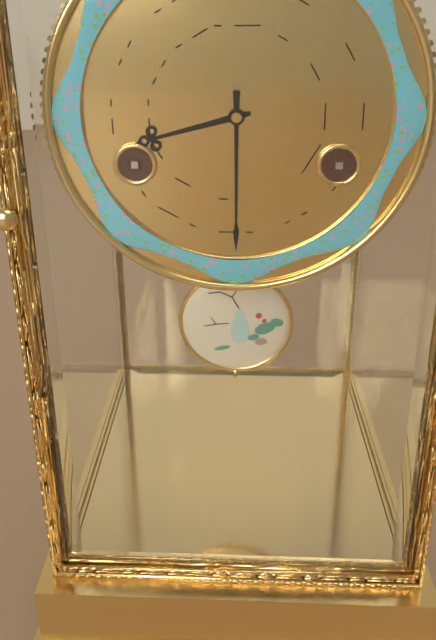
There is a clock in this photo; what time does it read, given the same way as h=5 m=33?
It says h=8 m=30
